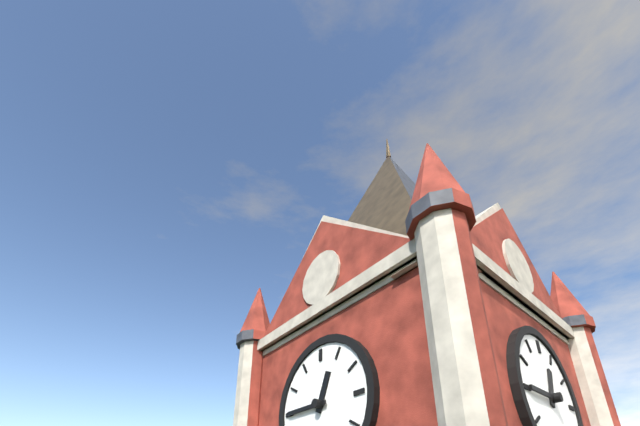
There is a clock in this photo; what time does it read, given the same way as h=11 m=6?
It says h=12 m=45
